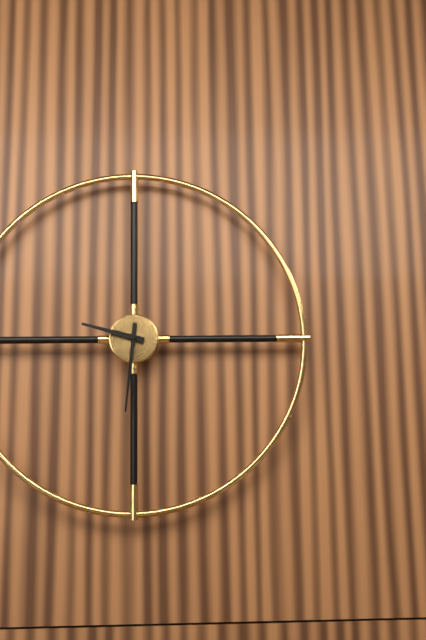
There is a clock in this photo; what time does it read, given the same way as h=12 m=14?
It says h=9 m=31
